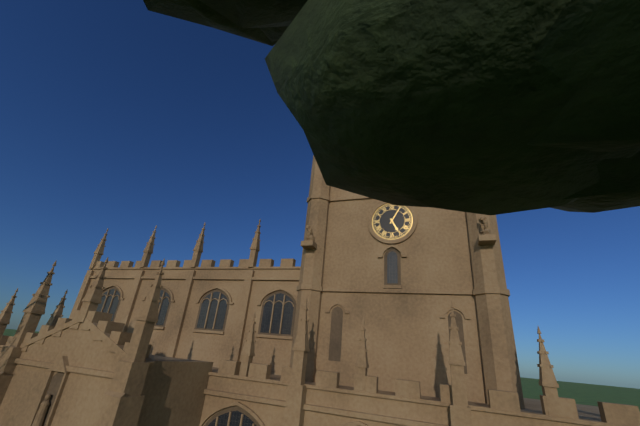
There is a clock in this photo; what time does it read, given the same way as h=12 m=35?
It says h=5 m=5
